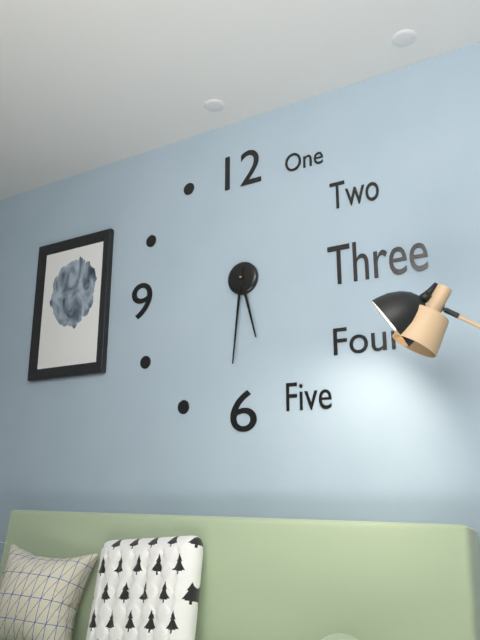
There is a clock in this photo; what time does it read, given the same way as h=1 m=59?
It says h=5 m=31
